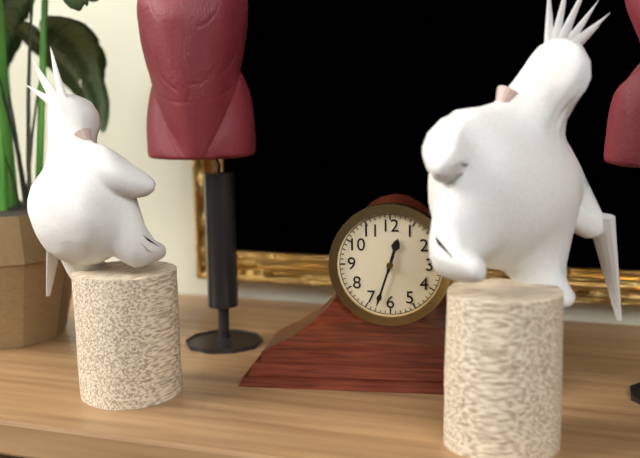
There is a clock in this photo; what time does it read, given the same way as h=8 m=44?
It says h=12 m=33
